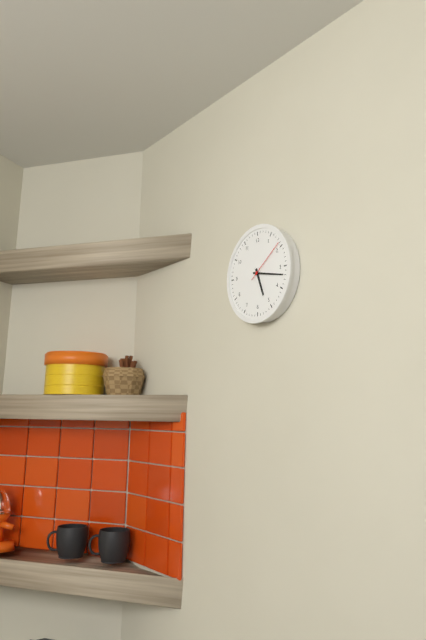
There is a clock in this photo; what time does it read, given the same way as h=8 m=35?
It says h=5 m=17
